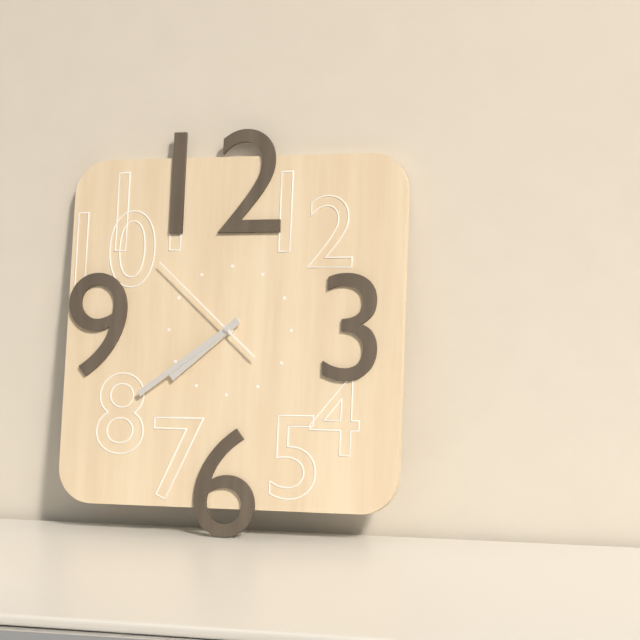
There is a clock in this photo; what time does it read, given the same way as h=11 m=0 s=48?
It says h=7 m=39 s=52
